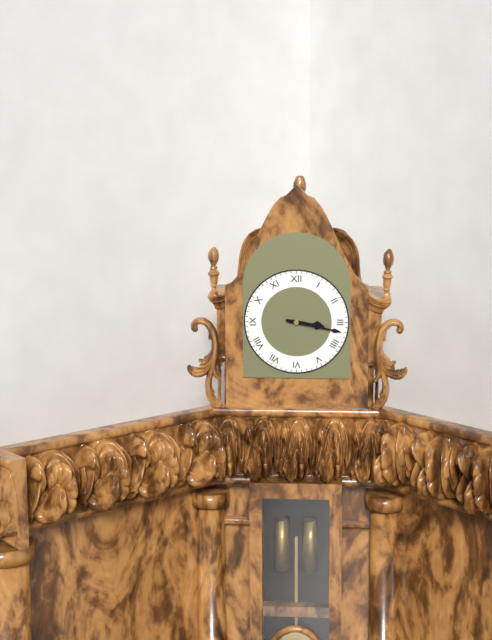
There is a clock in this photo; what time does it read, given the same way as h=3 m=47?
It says h=3 m=17
